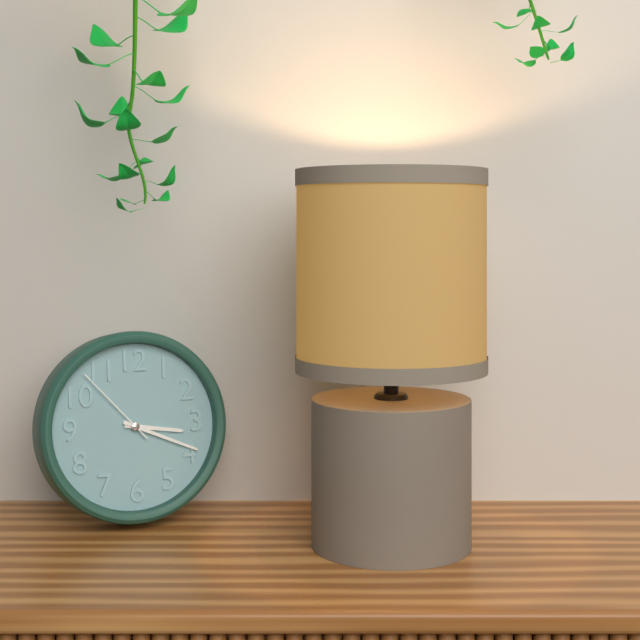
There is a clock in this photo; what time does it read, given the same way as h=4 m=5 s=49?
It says h=3 m=19 s=53
